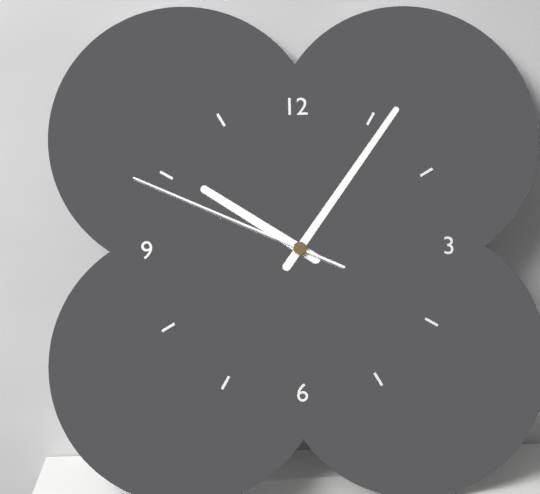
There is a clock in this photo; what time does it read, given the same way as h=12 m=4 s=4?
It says h=10 m=6 s=49
